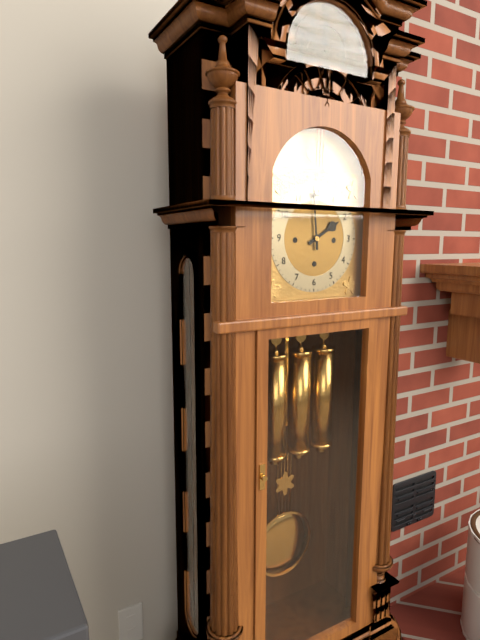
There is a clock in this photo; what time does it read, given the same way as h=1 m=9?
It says h=1 m=59
